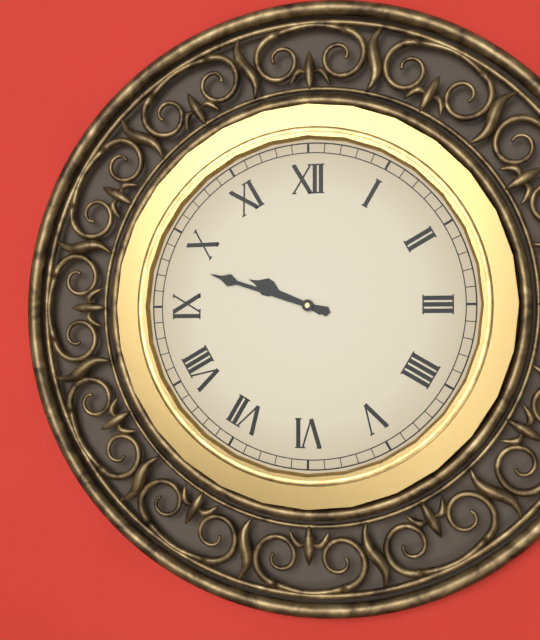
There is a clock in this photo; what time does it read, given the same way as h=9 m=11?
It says h=9 m=48
